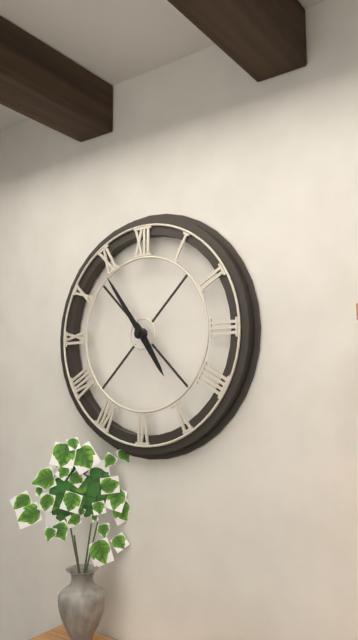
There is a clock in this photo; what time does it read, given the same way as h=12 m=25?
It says h=4 m=54
